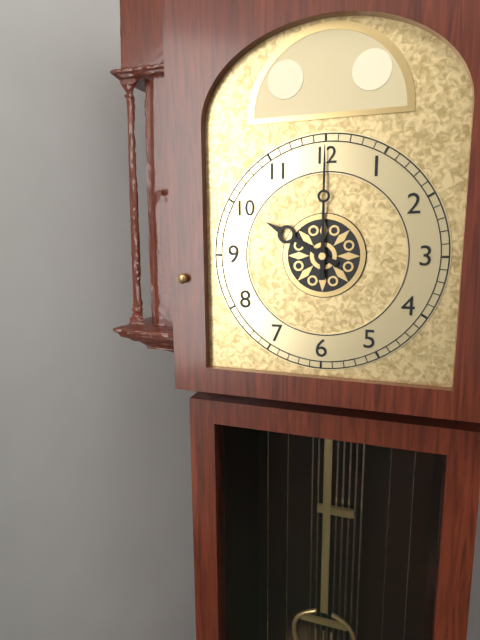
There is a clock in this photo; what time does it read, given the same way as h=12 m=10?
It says h=10 m=0
